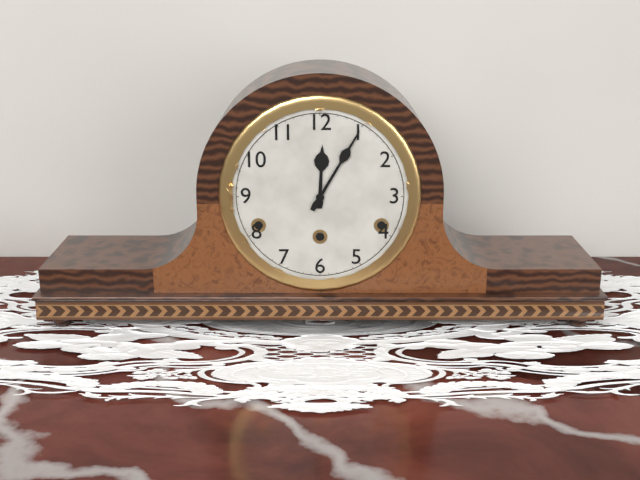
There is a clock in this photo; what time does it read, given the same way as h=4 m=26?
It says h=12 m=5
